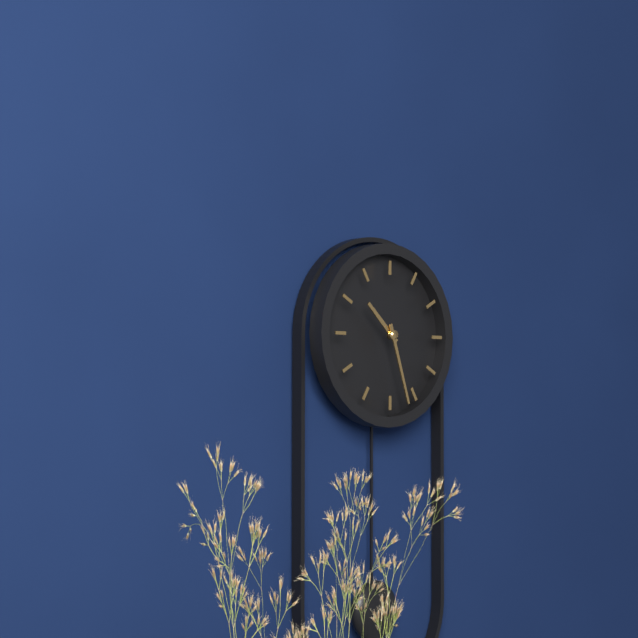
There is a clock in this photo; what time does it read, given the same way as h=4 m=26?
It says h=10 m=27
